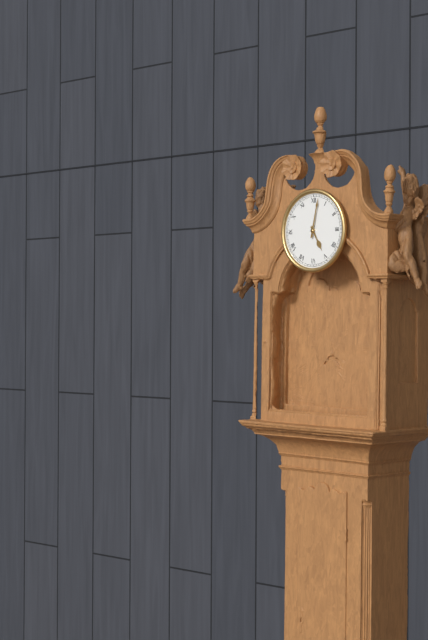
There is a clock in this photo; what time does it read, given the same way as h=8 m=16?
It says h=5 m=2
